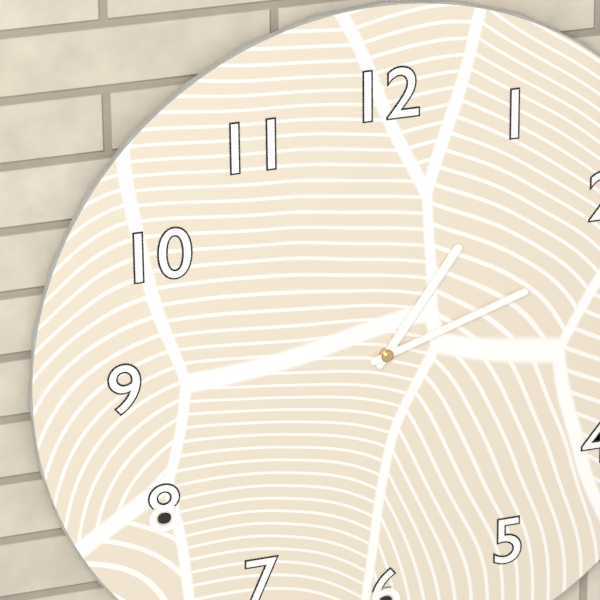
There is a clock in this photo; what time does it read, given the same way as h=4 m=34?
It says h=1 m=12
